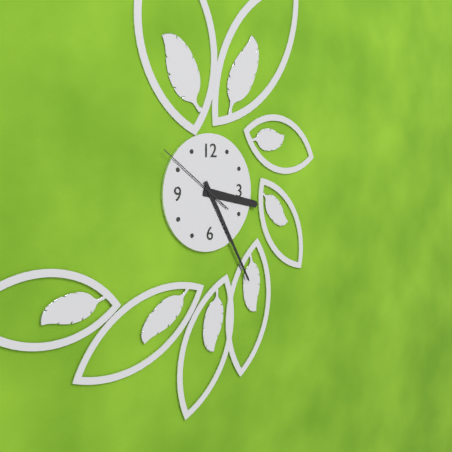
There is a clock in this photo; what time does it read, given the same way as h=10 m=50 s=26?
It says h=3 m=25 s=51
